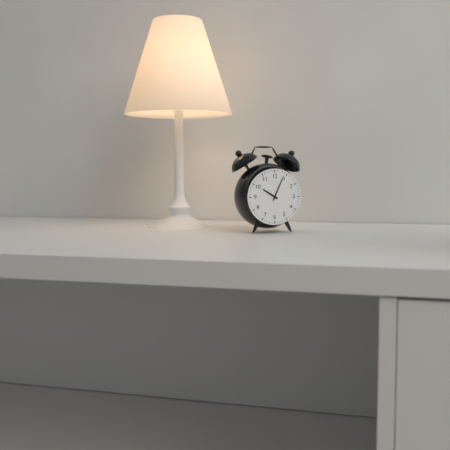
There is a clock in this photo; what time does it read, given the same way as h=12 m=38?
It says h=10 m=4
